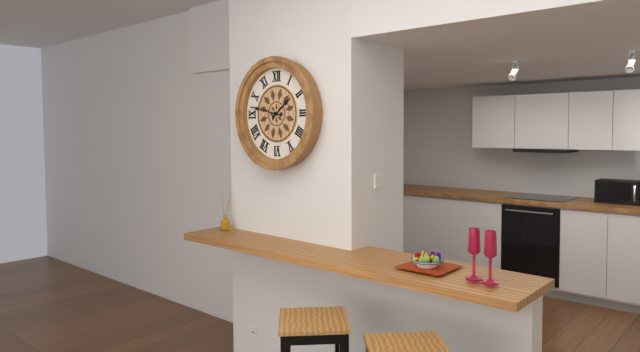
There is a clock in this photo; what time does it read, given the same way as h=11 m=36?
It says h=1 m=47
